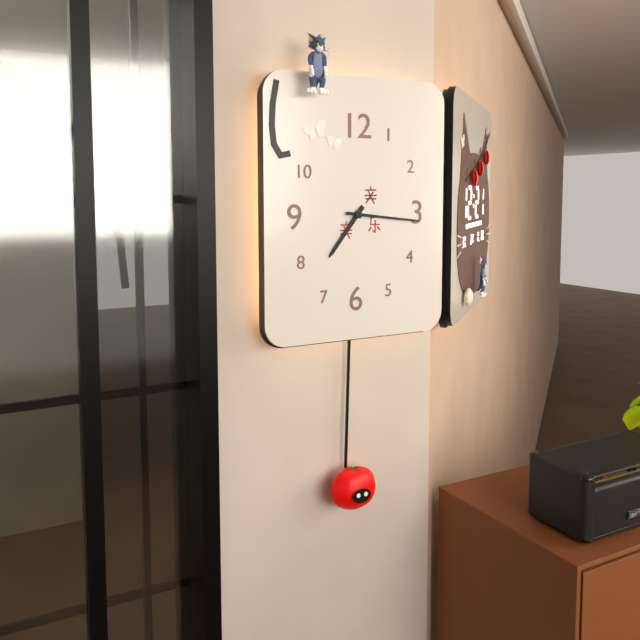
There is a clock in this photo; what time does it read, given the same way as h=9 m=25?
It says h=7 m=16
